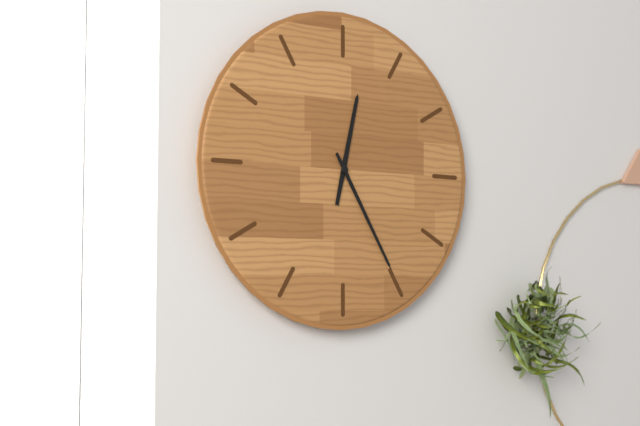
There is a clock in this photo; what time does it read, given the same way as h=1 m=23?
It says h=12 m=25
